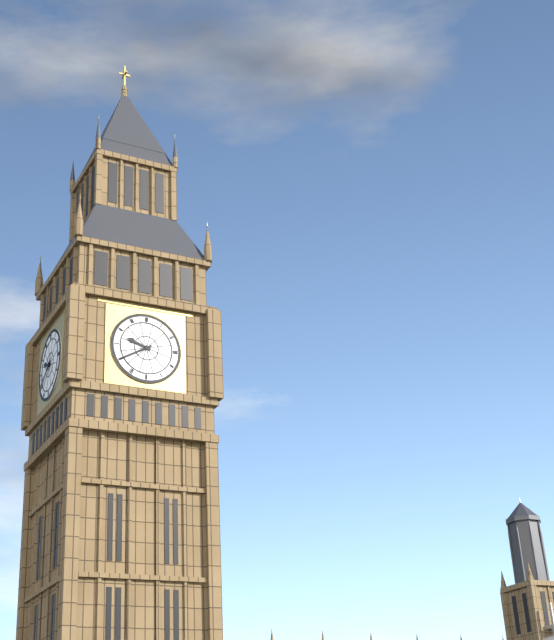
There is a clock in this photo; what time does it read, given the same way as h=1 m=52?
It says h=9 m=40
